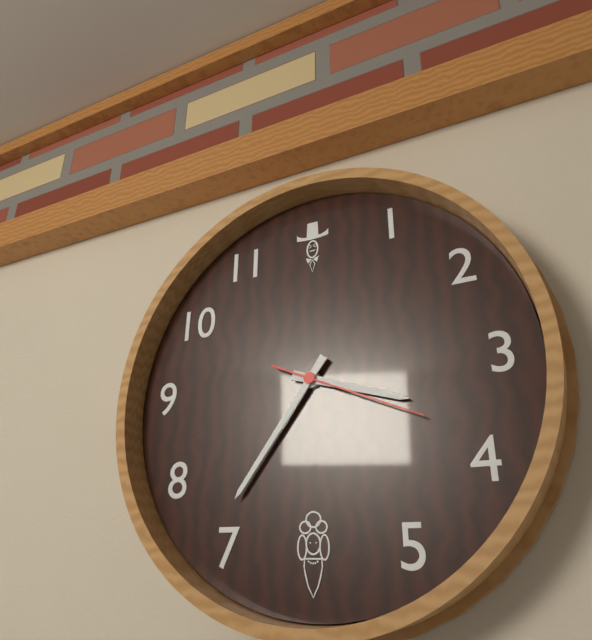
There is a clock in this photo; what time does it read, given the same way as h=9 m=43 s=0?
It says h=3 m=36 s=19
